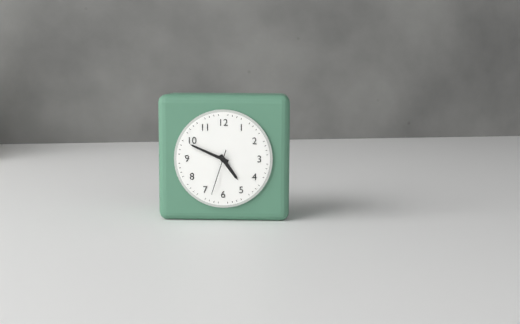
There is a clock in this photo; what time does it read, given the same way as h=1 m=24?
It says h=4 m=49
